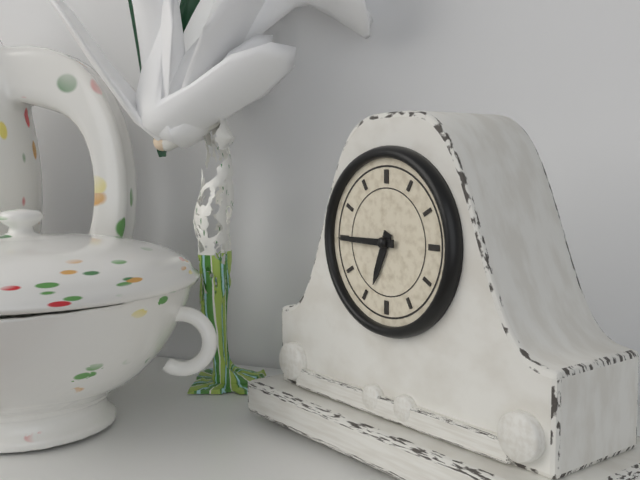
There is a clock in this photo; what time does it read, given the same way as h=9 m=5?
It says h=6 m=45
